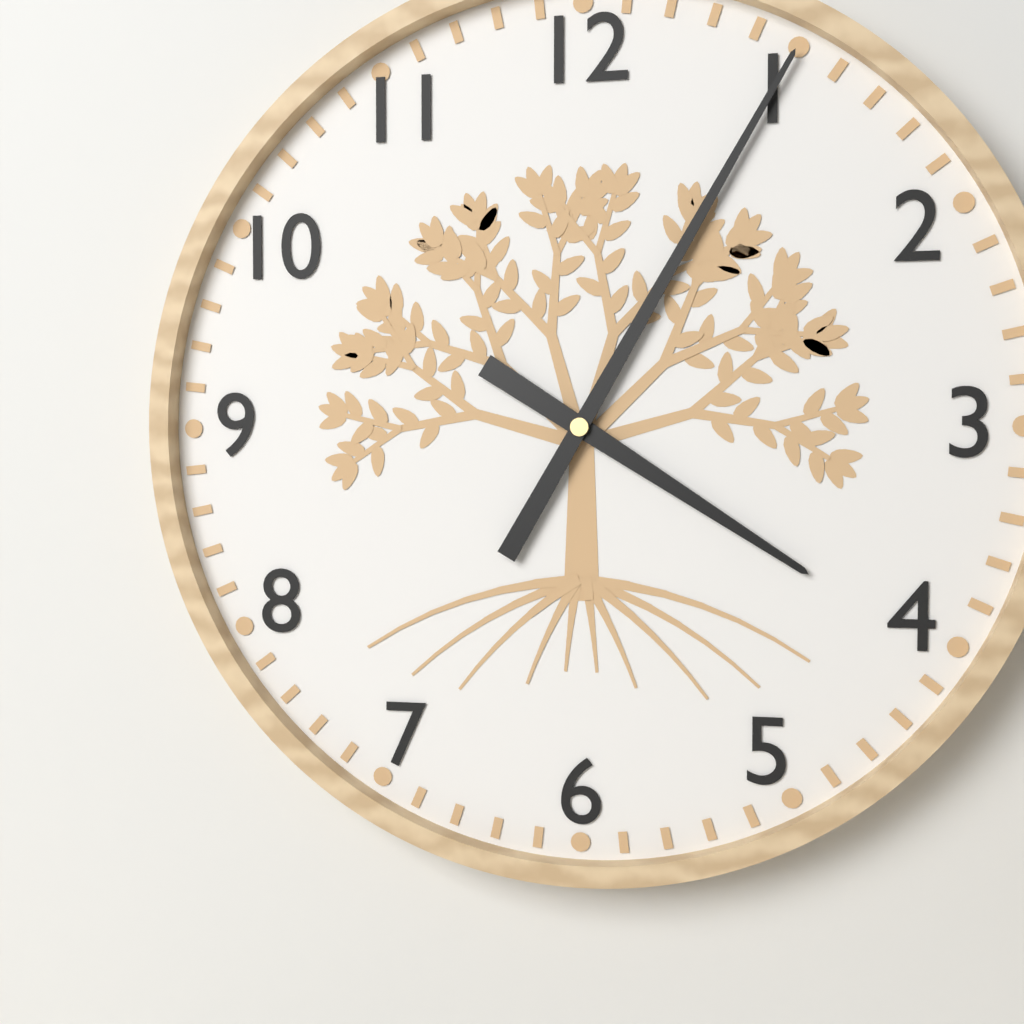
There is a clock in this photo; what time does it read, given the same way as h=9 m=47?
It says h=4 m=5
